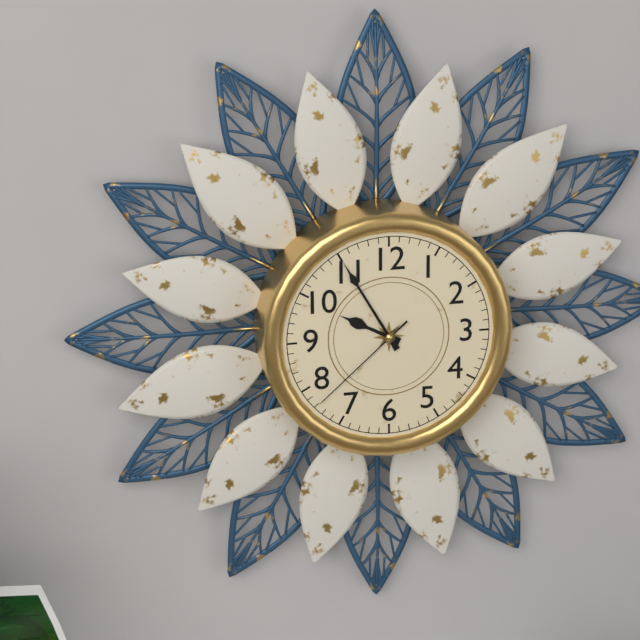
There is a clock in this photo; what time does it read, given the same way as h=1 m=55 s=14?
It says h=9 m=55 s=38
